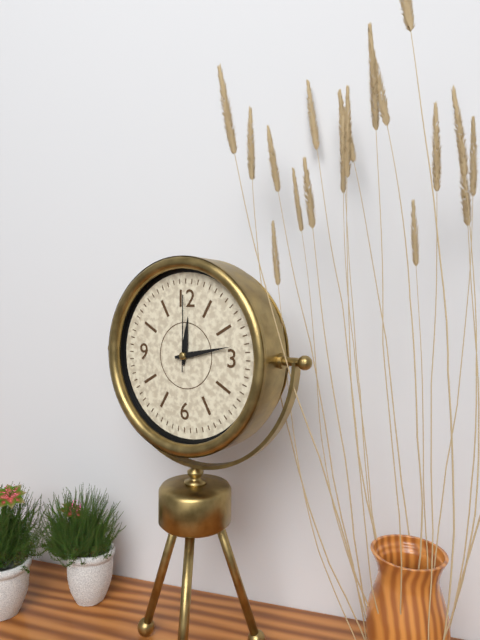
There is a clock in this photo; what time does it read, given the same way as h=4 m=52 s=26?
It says h=12 m=13 s=0
